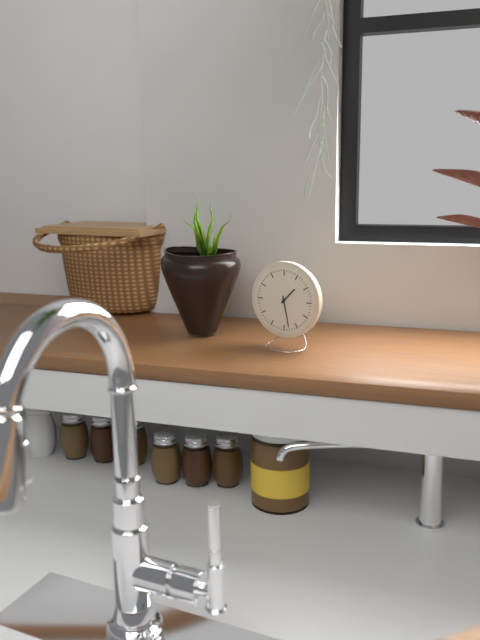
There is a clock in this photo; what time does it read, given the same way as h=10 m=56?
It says h=1 m=28
